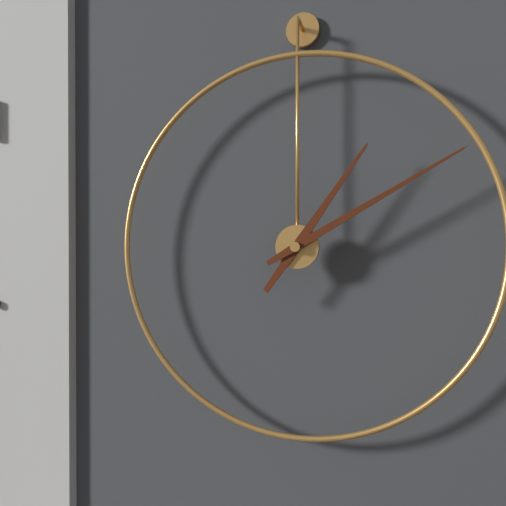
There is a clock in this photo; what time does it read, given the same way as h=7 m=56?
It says h=1 m=10
